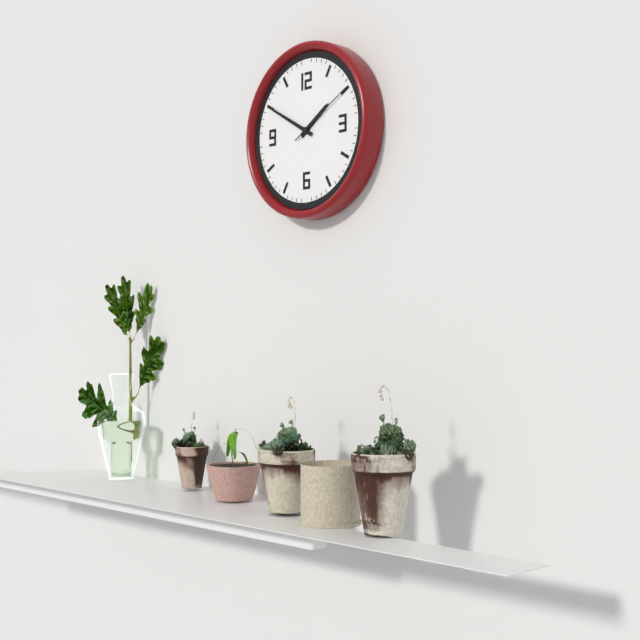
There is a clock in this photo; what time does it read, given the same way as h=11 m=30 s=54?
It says h=1 m=50 s=10
